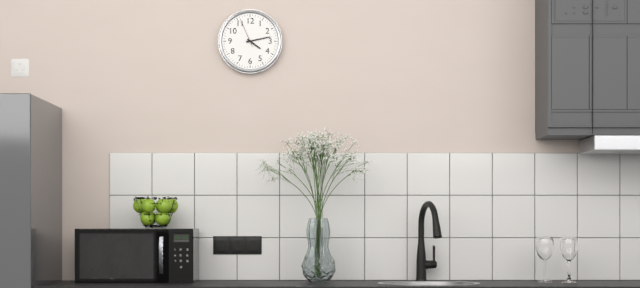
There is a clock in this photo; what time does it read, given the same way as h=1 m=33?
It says h=4 m=13
